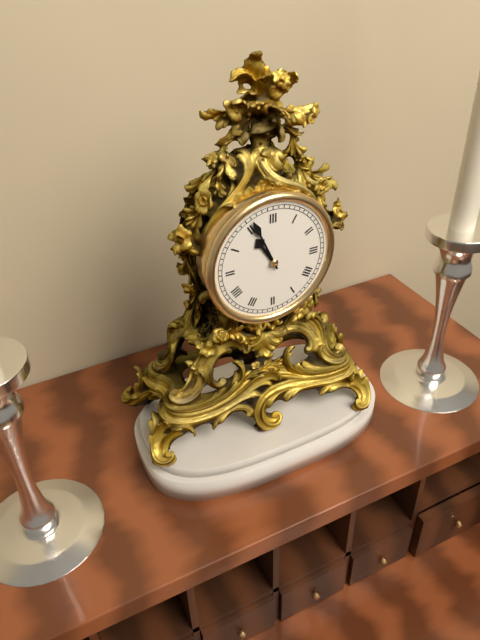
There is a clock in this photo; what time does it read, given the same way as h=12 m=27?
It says h=10 m=56
